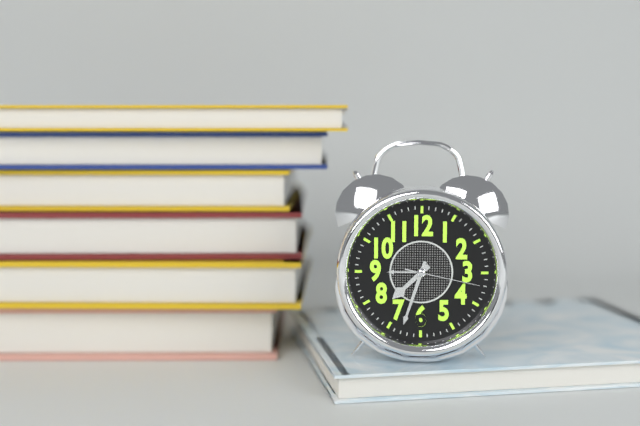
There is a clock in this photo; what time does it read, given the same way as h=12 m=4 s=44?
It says h=7 m=33 s=17
